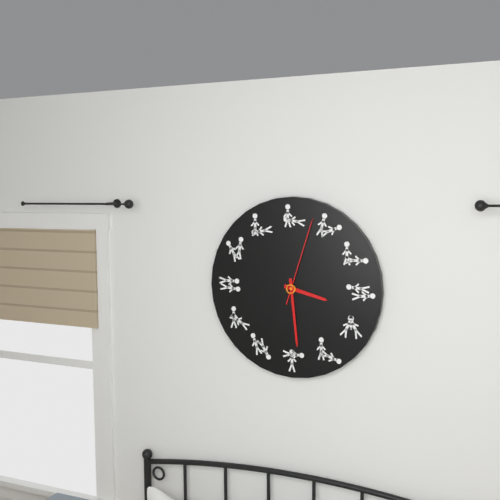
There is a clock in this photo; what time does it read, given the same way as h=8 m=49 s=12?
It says h=3 m=29 s=3
